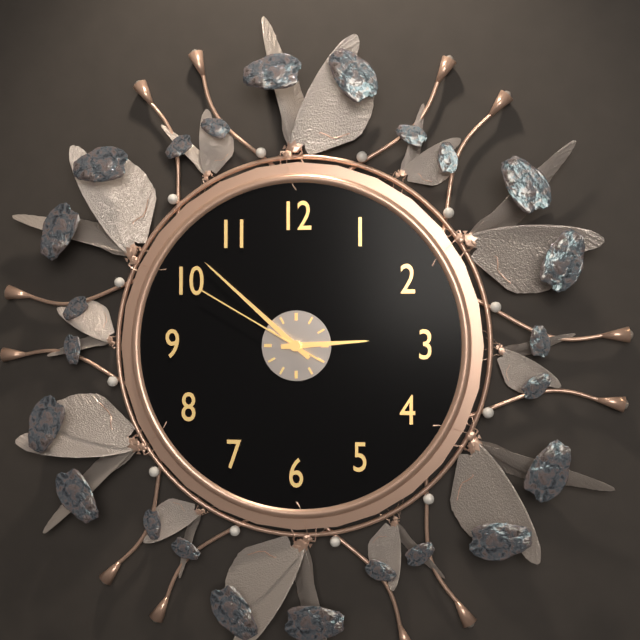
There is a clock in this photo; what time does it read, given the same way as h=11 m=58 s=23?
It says h=2 m=52 s=50
